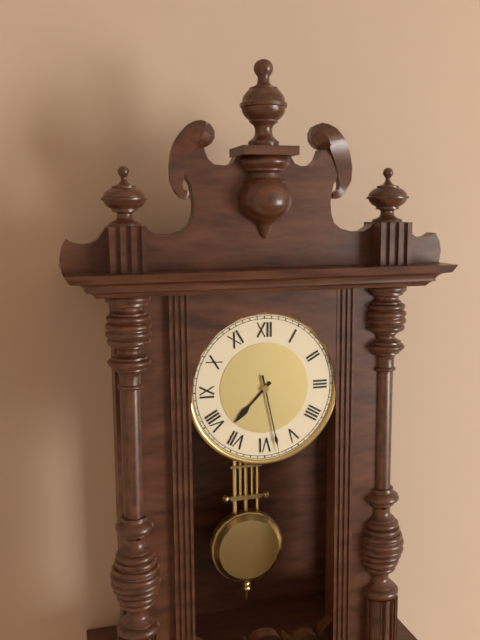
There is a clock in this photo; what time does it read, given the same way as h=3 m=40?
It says h=7 m=28
